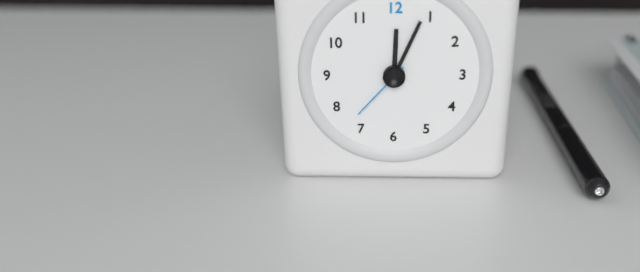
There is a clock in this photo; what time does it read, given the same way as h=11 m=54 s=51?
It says h=12 m=4 s=37
